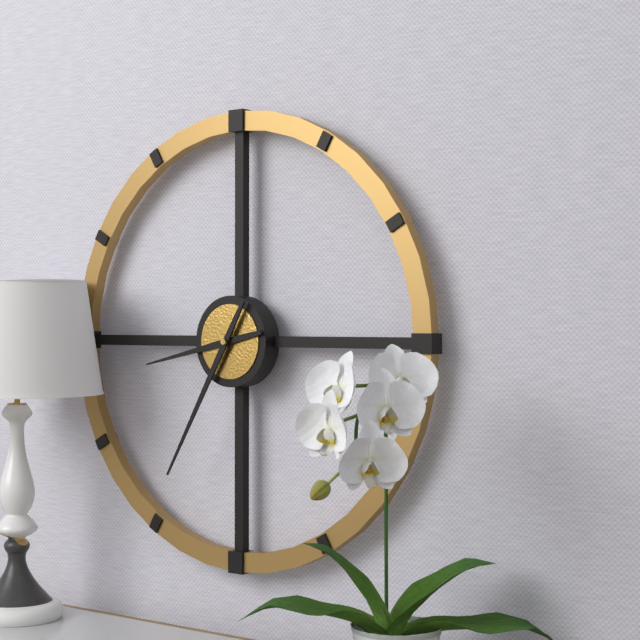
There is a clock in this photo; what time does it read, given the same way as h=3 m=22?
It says h=8 m=35
